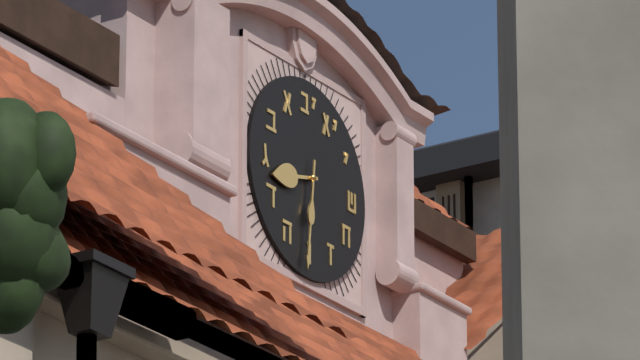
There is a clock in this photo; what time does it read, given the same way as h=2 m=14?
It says h=8 m=31
